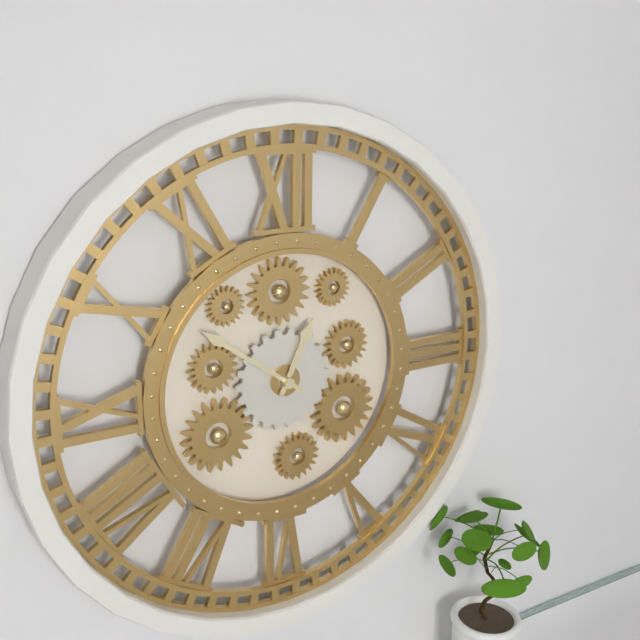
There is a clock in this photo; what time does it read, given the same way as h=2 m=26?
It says h=12 m=51
